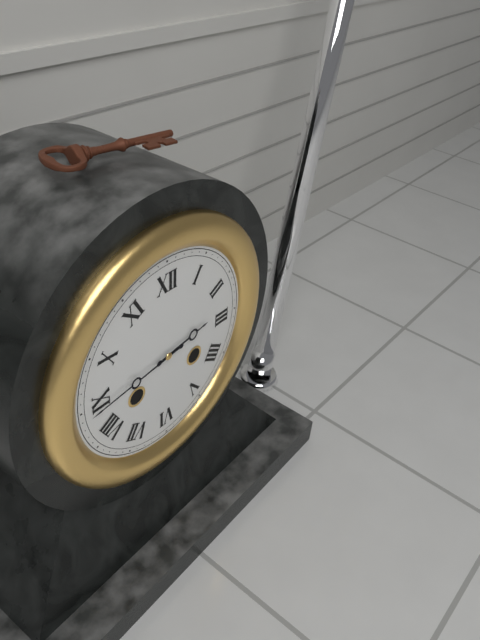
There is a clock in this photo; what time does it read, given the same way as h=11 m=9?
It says h=2 m=44
